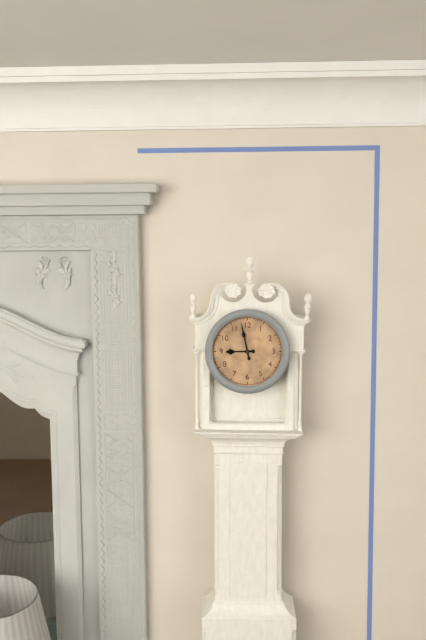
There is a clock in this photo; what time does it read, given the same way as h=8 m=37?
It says h=8 m=58
